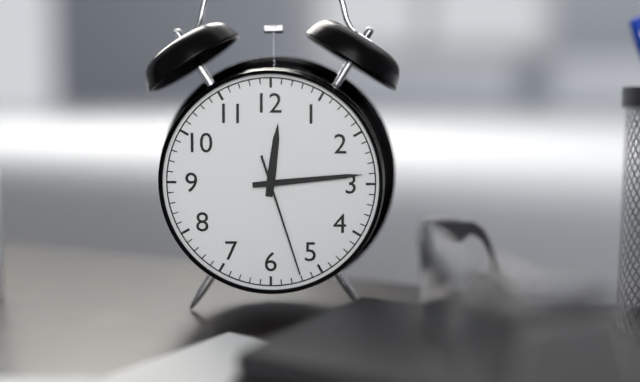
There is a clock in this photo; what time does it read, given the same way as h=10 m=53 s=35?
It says h=12 m=14 s=27
